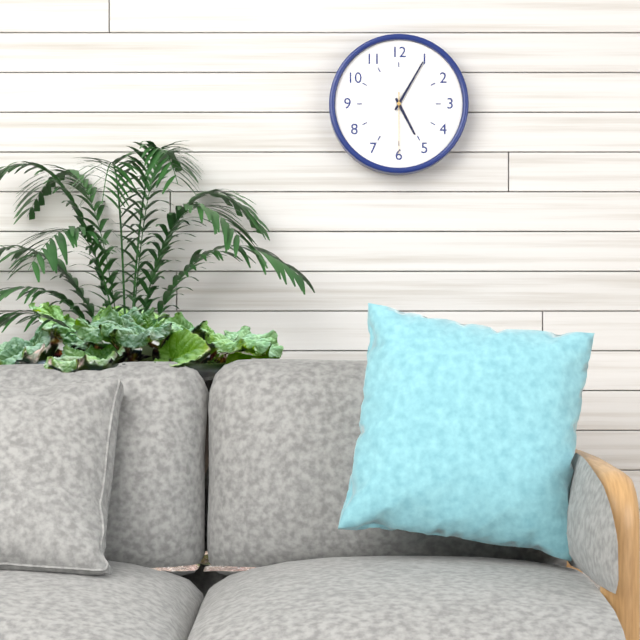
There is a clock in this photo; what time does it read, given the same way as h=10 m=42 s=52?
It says h=5 m=5 s=30
